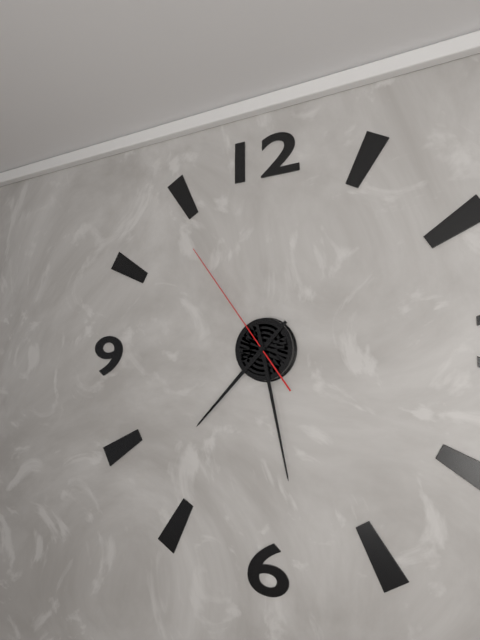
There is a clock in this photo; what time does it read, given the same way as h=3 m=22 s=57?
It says h=7 m=28 s=54
